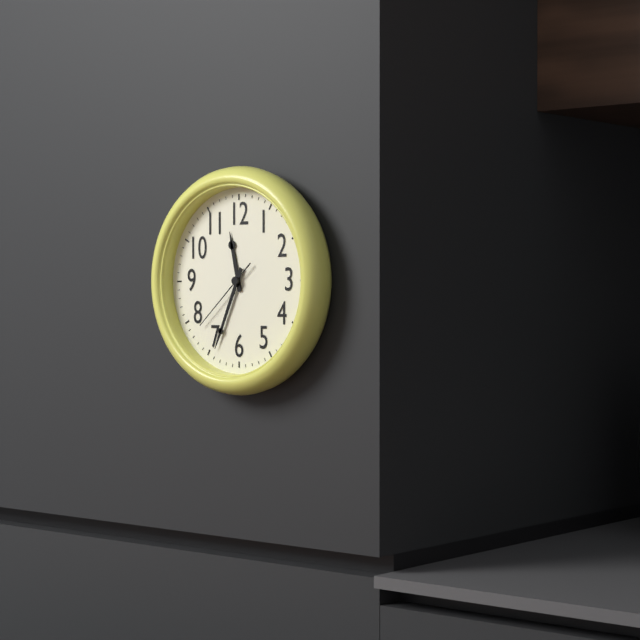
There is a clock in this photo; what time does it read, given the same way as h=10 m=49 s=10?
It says h=11 m=34 s=38
